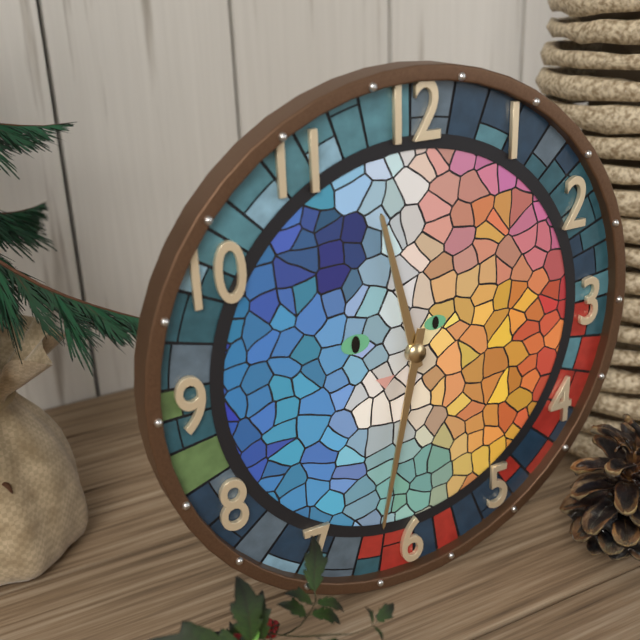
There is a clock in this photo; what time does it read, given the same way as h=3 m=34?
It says h=11 m=32
